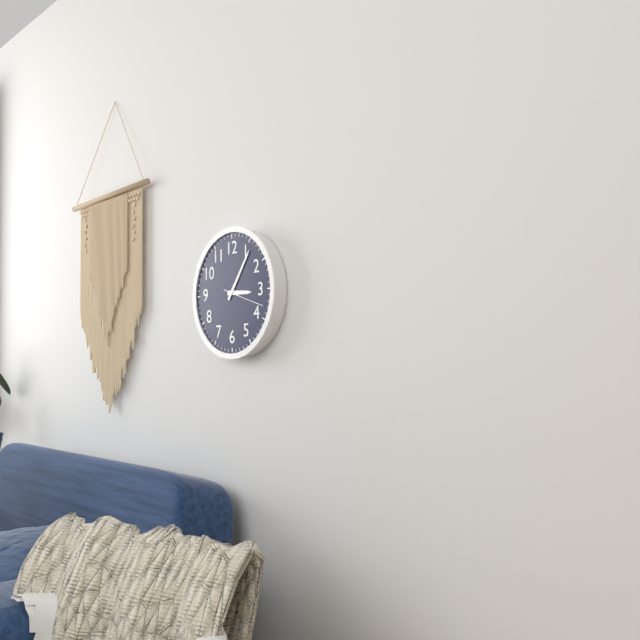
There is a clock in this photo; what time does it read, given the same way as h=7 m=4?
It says h=3 m=6
